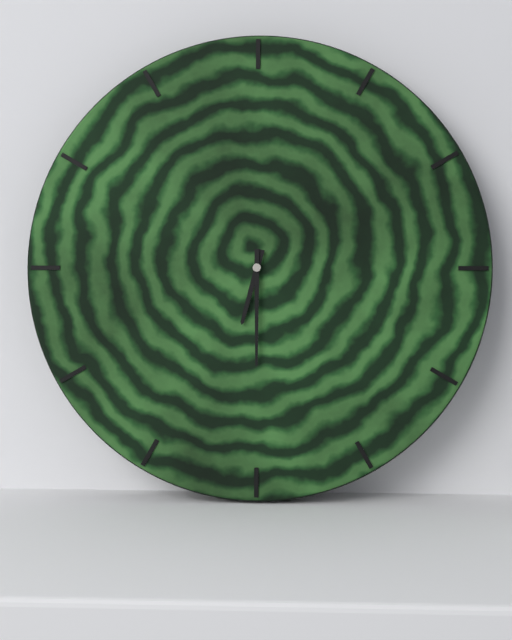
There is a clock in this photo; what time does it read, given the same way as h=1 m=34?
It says h=6 m=30
